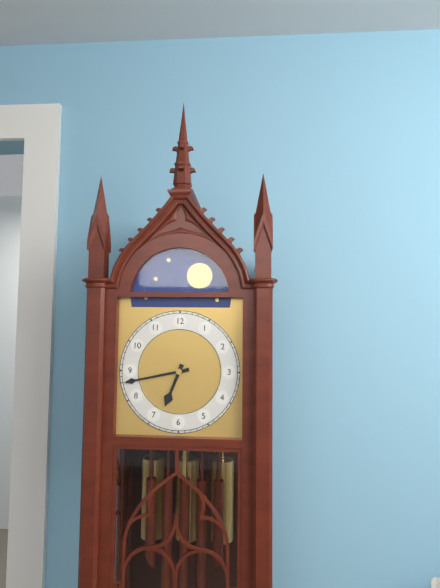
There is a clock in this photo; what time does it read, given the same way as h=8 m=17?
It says h=6 m=43
